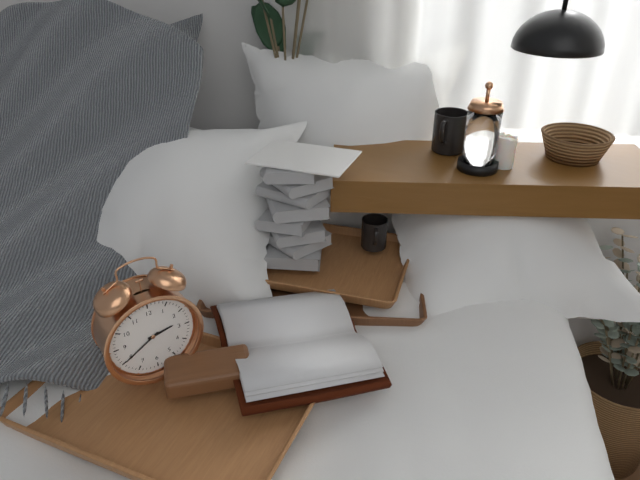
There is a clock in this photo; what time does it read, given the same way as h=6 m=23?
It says h=2 m=40
